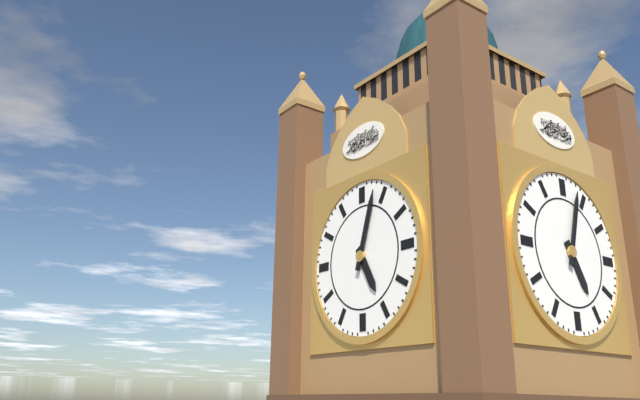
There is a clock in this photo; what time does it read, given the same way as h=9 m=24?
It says h=5 m=3
